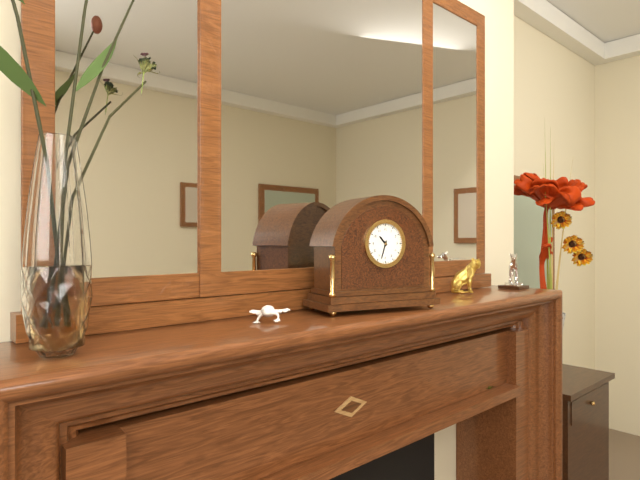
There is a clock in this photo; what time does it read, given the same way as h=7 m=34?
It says h=10 m=33
